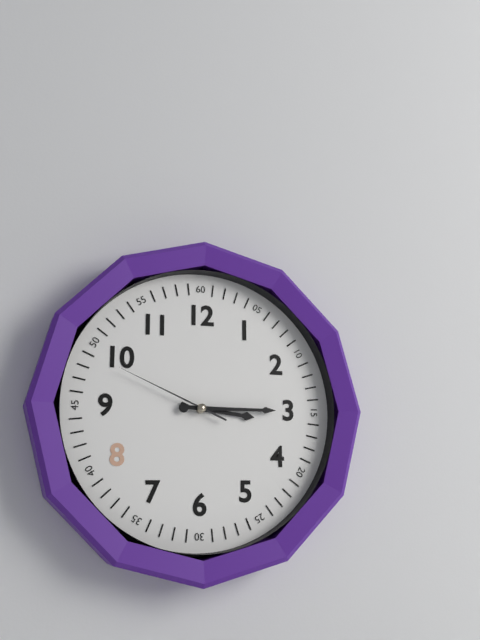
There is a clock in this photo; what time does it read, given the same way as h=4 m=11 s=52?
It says h=3 m=15 s=49
